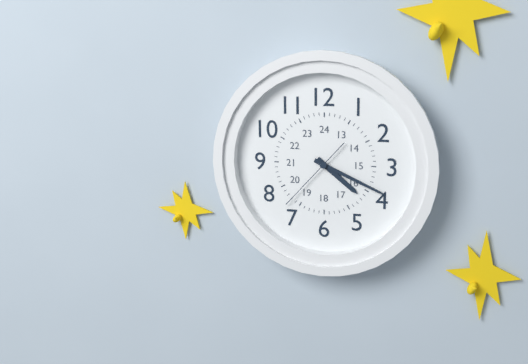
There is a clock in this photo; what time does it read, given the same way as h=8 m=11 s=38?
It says h=4 m=19 s=37
